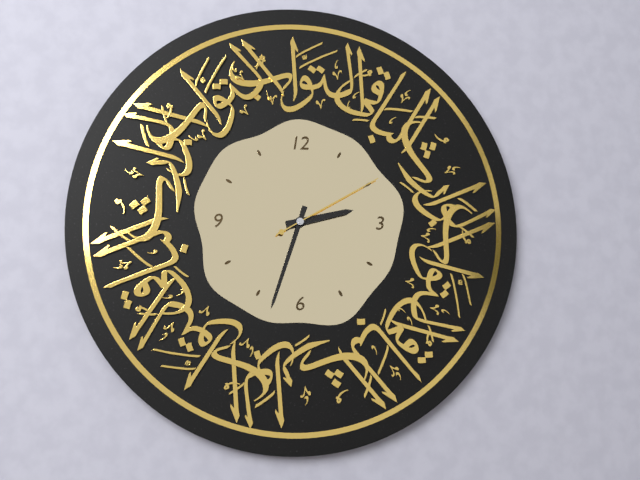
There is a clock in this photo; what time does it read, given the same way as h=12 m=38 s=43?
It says h=2 m=33 s=10
